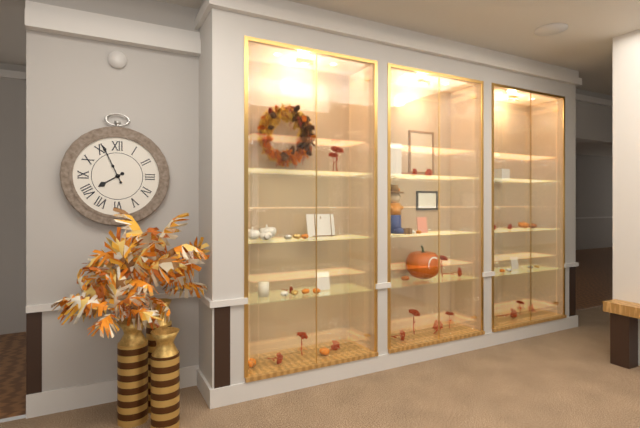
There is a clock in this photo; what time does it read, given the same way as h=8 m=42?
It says h=7 m=56
